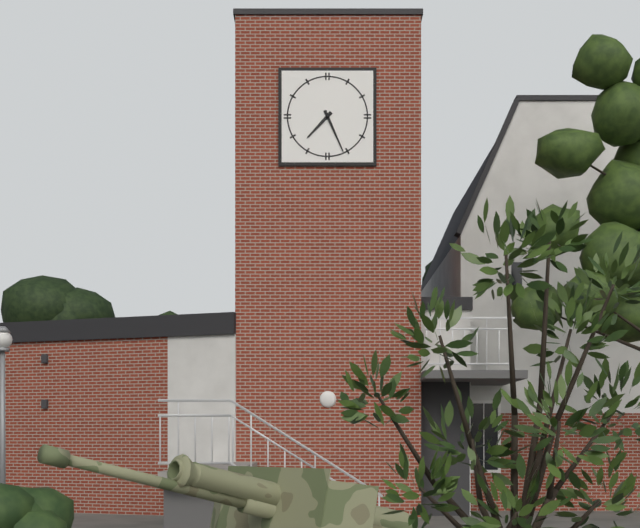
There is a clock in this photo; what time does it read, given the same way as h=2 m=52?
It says h=7 m=26
